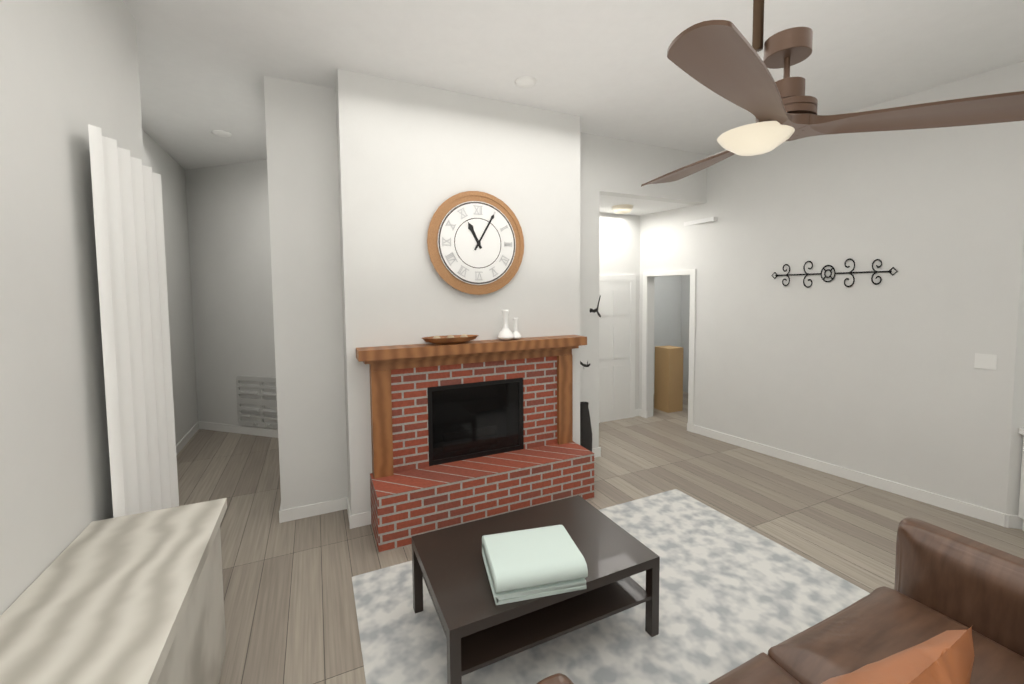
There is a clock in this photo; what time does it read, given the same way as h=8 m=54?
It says h=11 m=5
